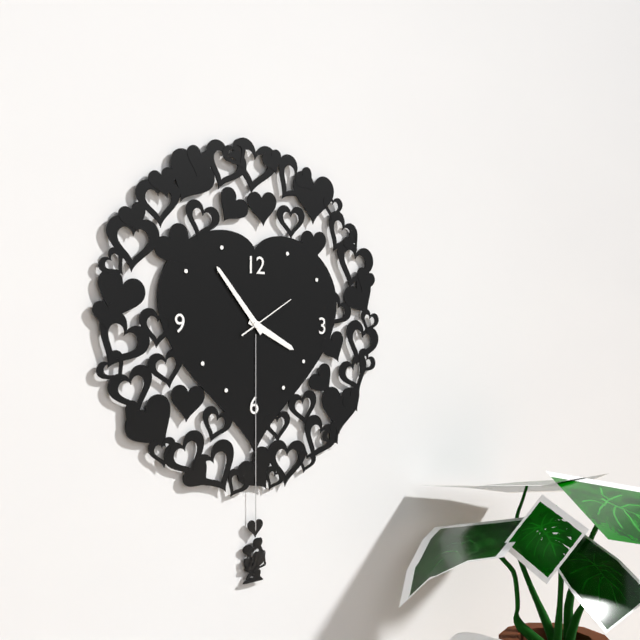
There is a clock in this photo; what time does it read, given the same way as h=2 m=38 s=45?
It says h=3 m=53 s=10
